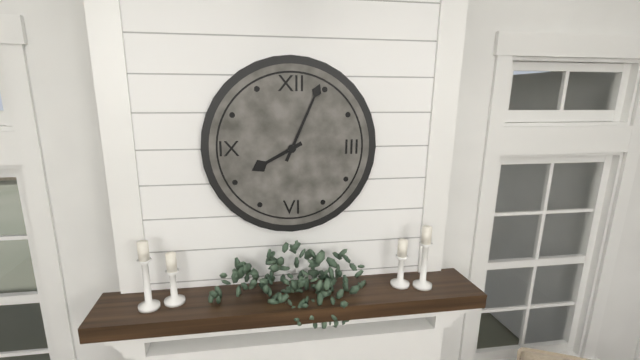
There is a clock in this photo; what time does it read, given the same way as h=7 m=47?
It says h=8 m=4
